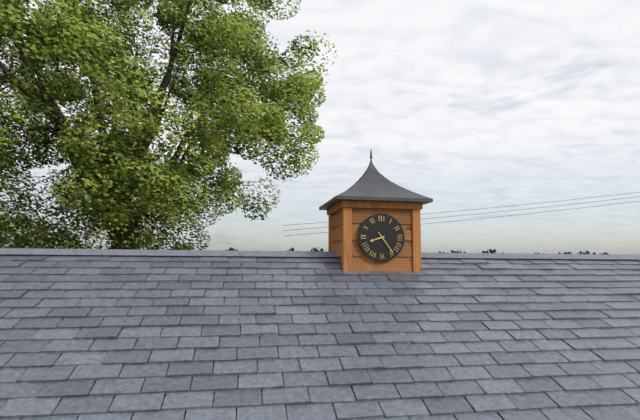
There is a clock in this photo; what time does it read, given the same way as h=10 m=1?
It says h=8 m=24
